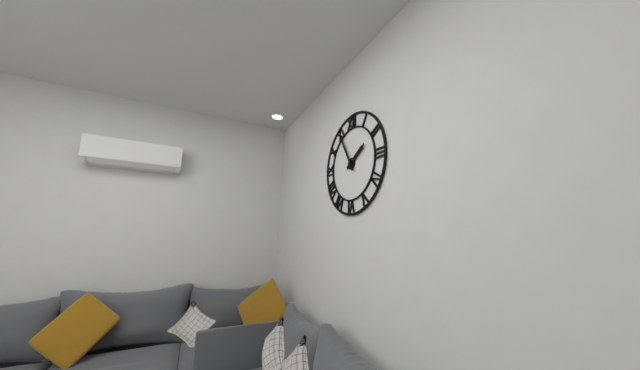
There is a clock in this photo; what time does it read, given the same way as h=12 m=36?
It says h=1 m=55
